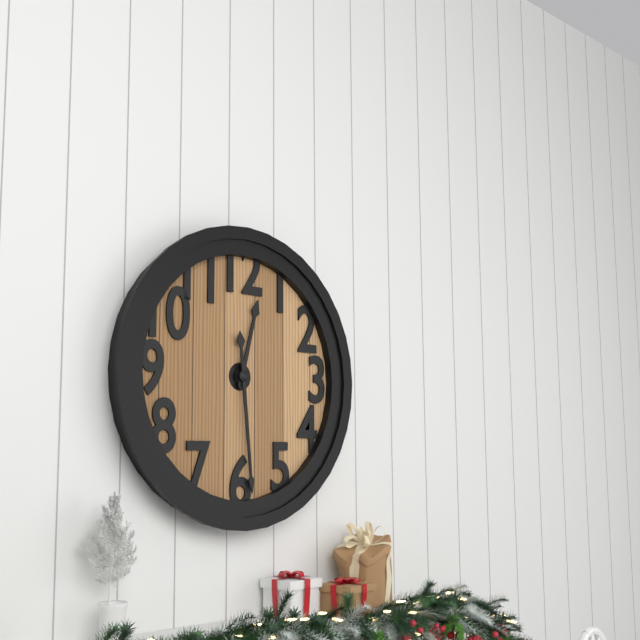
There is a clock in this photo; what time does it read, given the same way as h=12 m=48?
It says h=12 m=29
